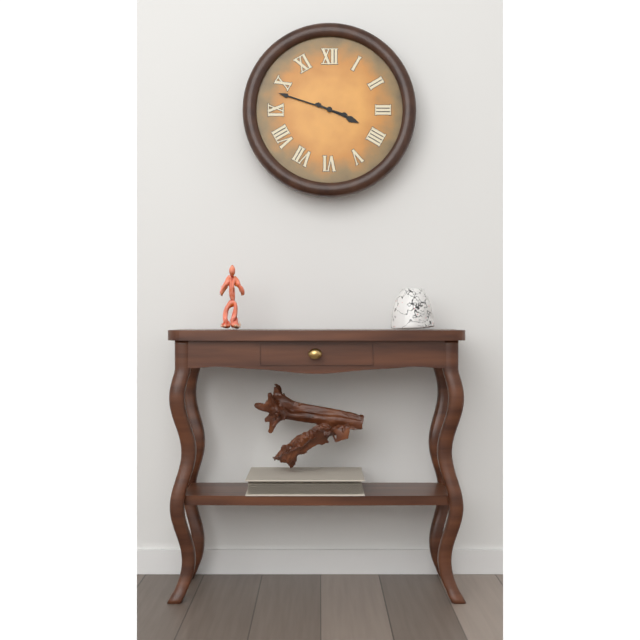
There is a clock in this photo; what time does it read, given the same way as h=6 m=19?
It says h=3 m=48
